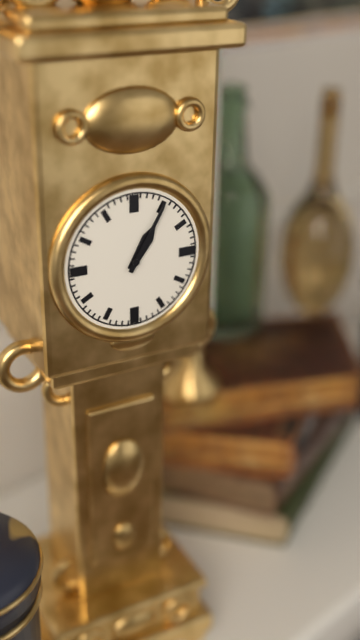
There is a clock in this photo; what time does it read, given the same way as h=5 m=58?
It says h=1 m=5
